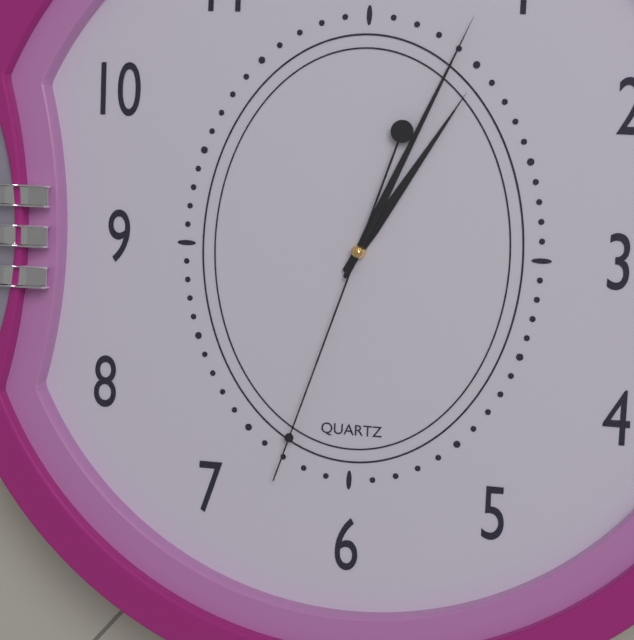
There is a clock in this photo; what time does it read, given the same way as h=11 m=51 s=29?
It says h=1 m=4 s=33
